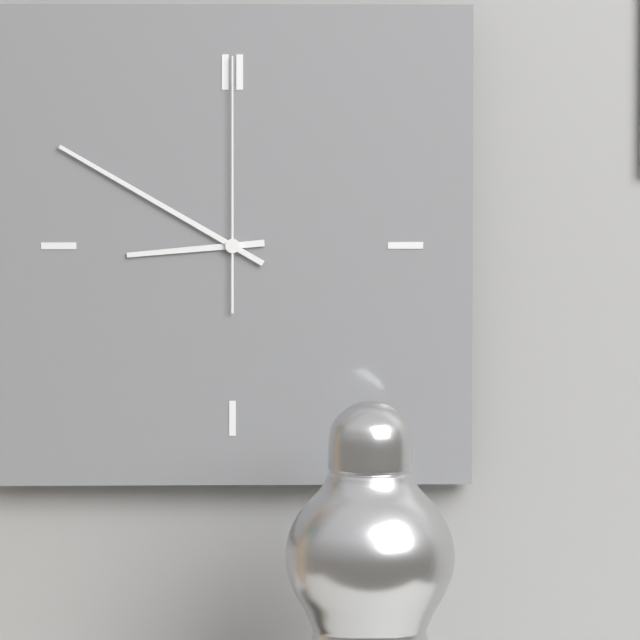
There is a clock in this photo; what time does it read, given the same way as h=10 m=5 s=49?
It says h=8 m=50 s=0
